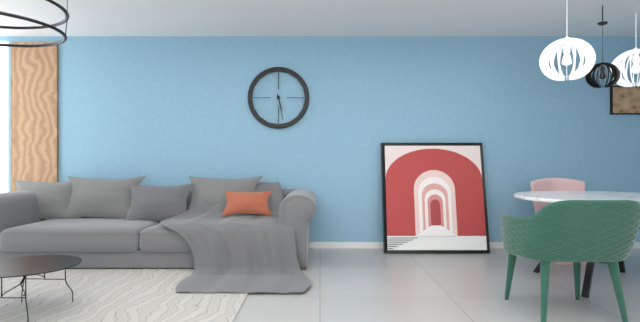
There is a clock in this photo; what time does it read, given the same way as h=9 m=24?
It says h=5 m=28
